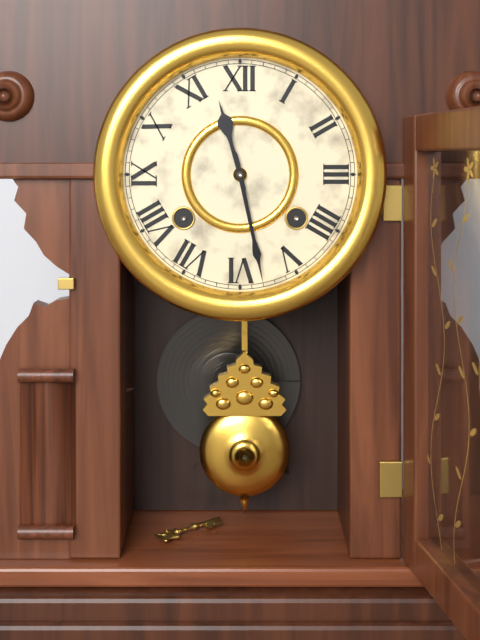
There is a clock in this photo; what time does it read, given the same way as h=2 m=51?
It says h=11 m=28
